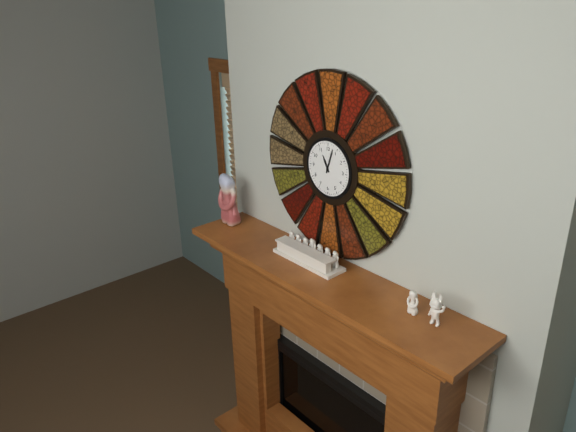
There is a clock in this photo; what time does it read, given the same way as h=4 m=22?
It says h=11 m=3
